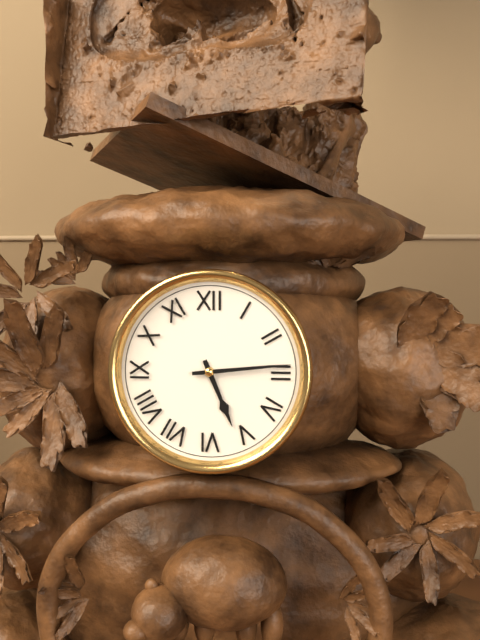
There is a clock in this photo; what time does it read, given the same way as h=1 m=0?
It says h=5 m=14
